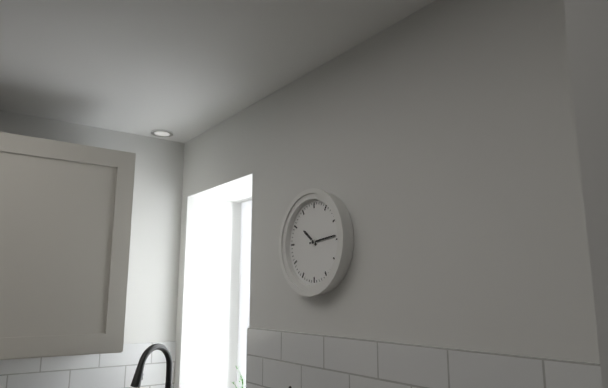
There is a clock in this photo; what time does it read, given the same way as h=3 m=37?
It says h=10 m=14
